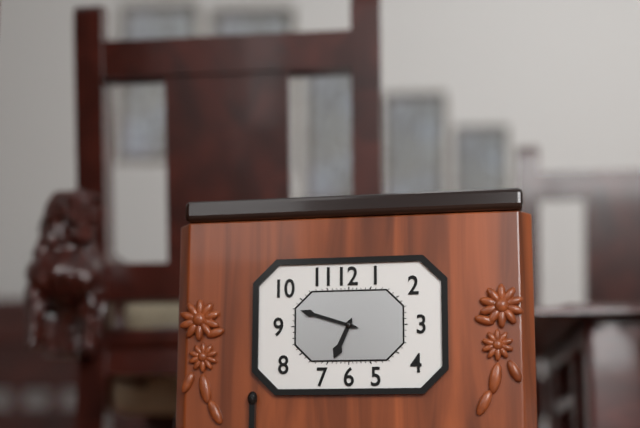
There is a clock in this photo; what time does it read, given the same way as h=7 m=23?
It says h=6 m=48
